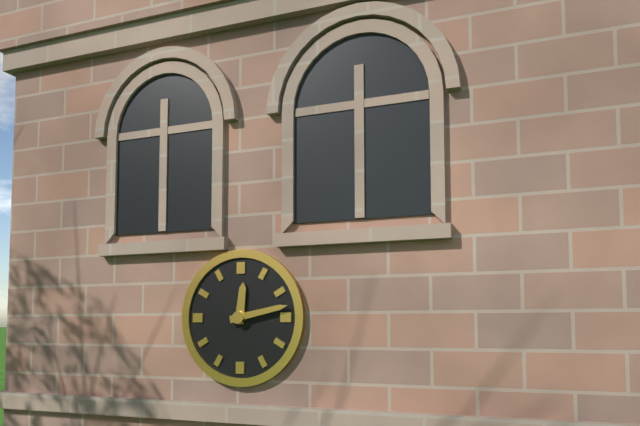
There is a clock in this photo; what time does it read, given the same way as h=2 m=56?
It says h=12 m=13
